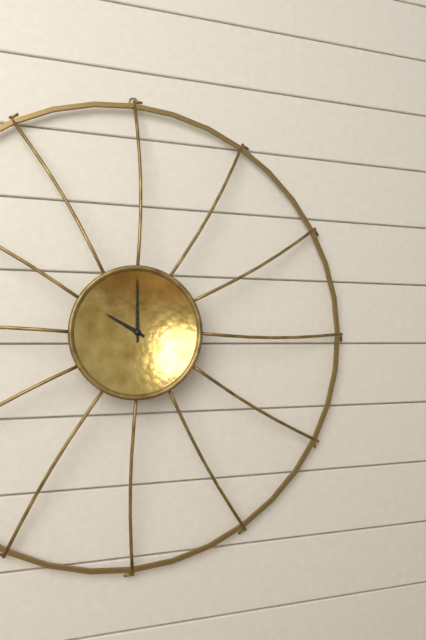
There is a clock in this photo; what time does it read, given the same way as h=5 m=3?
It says h=10 m=0
